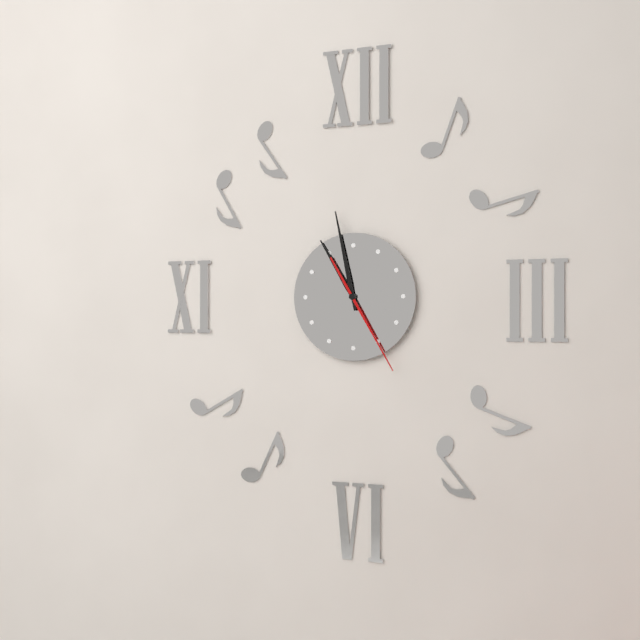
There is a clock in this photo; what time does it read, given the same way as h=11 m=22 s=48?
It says h=10 m=58 s=25
